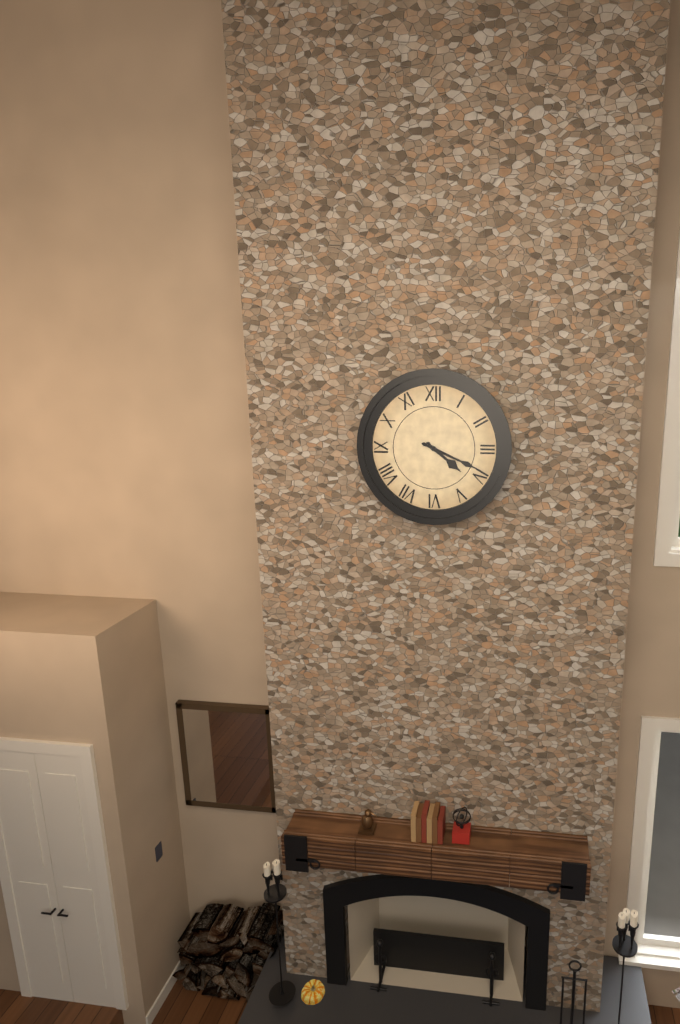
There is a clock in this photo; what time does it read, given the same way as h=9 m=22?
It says h=4 m=19
